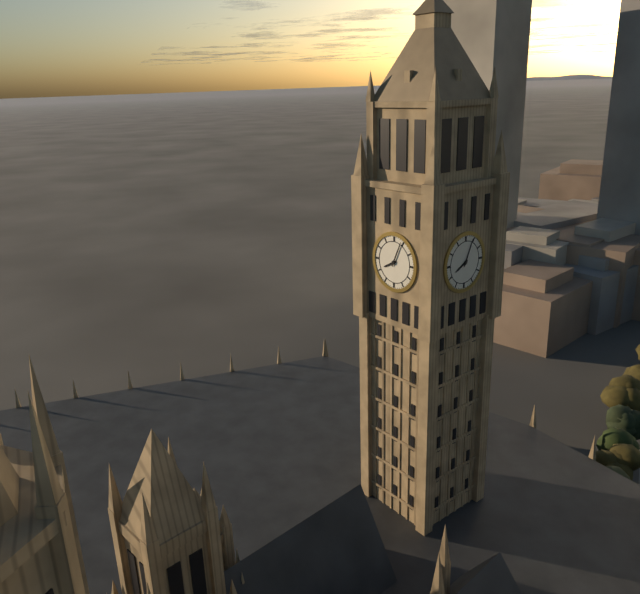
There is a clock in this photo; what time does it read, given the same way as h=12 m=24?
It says h=8 m=4
